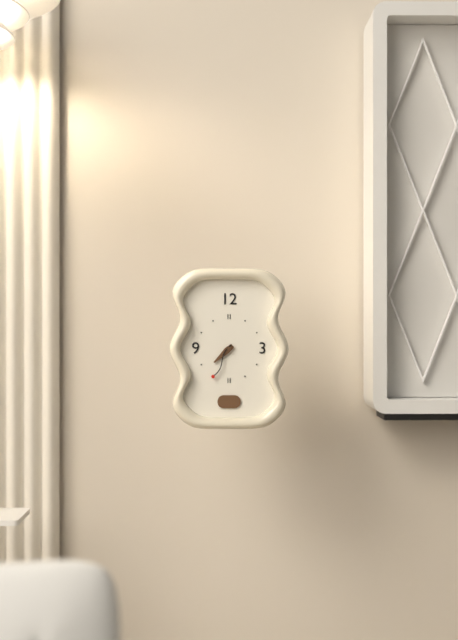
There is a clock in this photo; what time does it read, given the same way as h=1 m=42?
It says h=7 m=35
